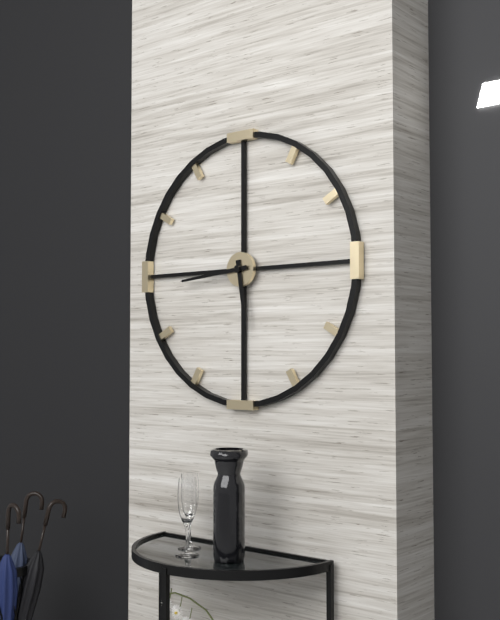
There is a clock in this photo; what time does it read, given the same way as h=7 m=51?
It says h=5 m=44
